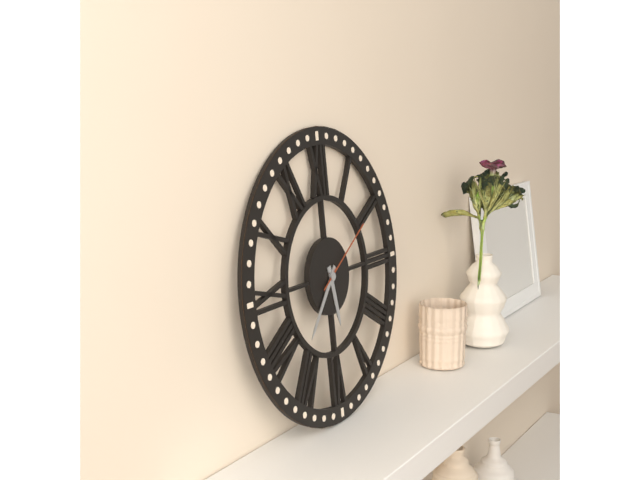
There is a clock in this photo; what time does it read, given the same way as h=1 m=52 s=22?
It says h=5 m=37 s=10
